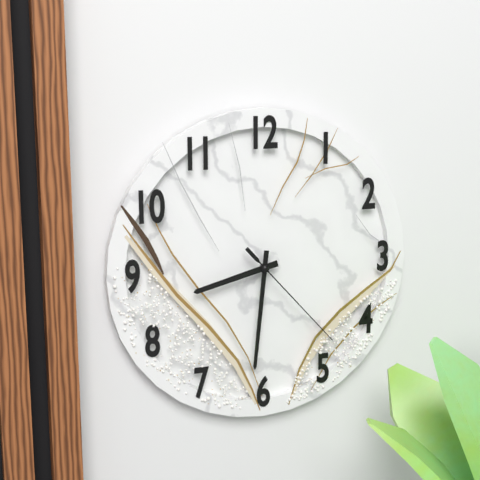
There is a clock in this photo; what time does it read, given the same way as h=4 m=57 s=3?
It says h=8 m=31 s=23
